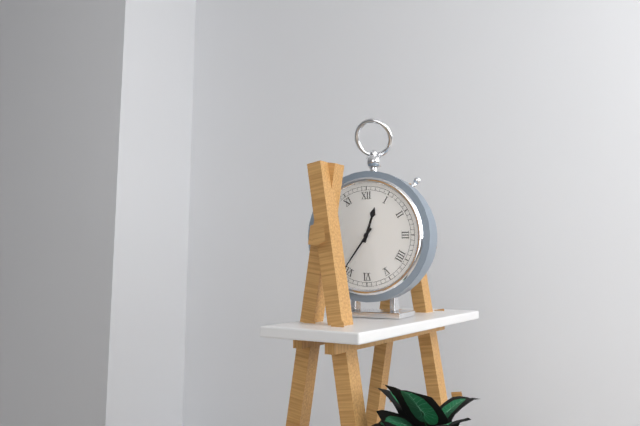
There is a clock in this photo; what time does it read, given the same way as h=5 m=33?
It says h=12 m=36
